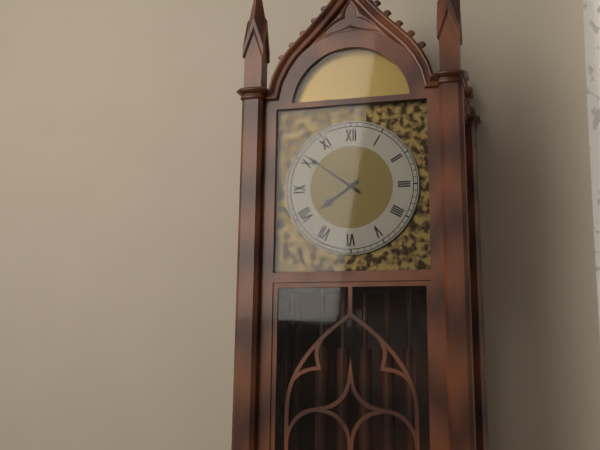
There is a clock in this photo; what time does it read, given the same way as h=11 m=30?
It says h=7 m=51
